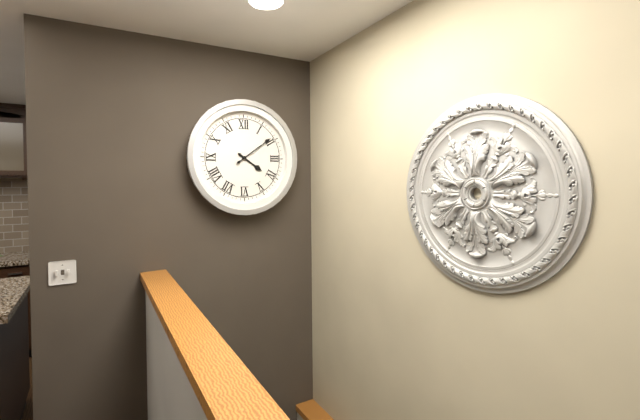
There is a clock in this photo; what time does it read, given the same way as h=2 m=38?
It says h=4 m=9
